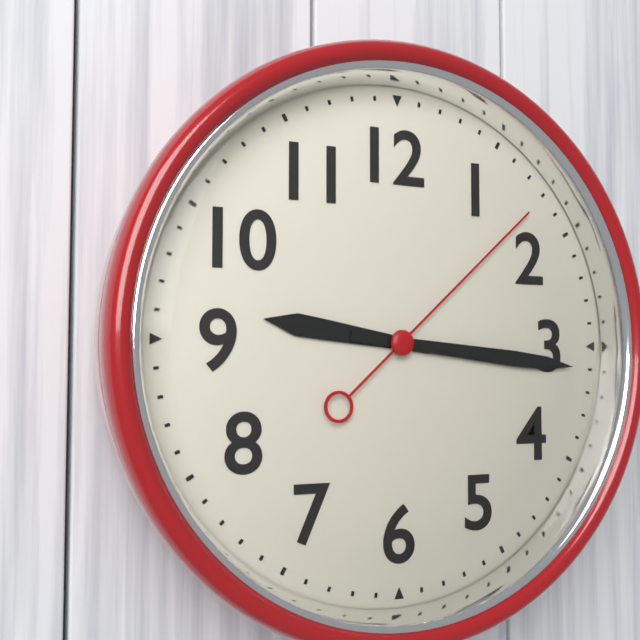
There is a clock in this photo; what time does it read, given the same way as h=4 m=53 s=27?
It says h=9 m=16 s=8
